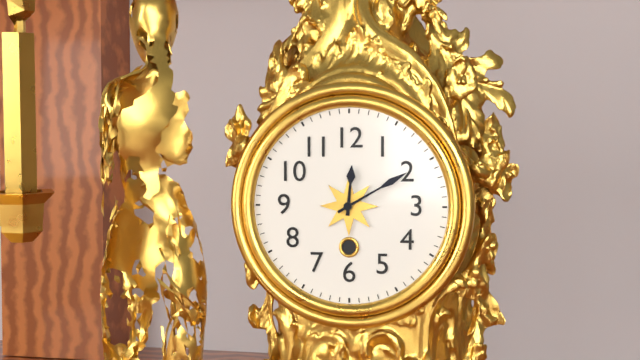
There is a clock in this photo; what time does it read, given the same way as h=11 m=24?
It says h=12 m=10
